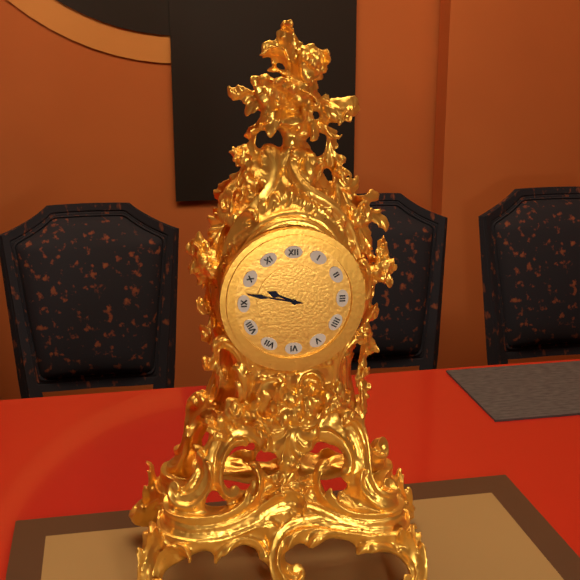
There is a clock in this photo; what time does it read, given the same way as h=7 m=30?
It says h=9 m=47
